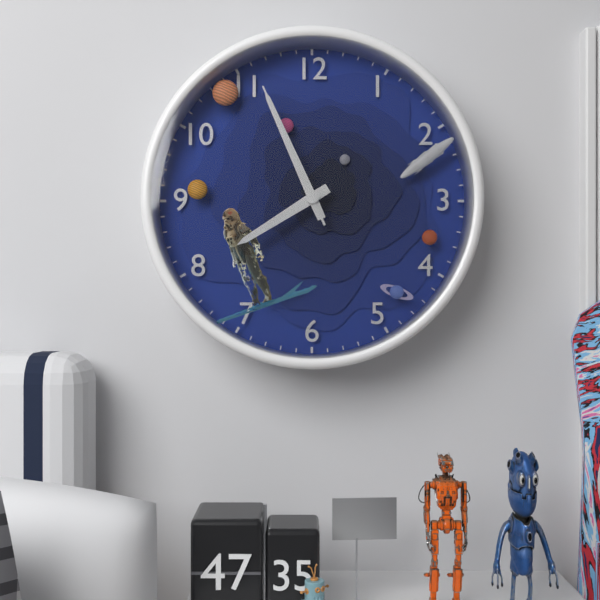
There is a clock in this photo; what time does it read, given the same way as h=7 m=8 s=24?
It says h=7 m=56 s=56
